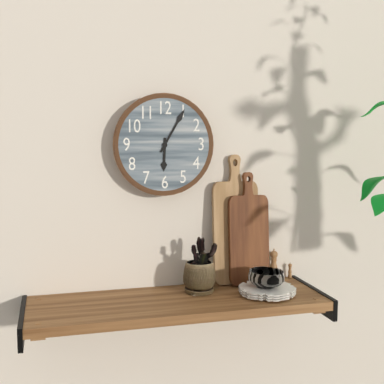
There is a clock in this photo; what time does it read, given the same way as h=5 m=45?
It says h=6 m=5
